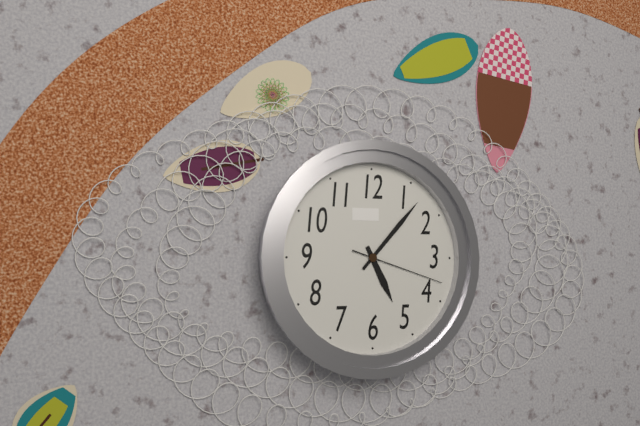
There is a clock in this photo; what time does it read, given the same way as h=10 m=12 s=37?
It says h=5 m=7 s=18
